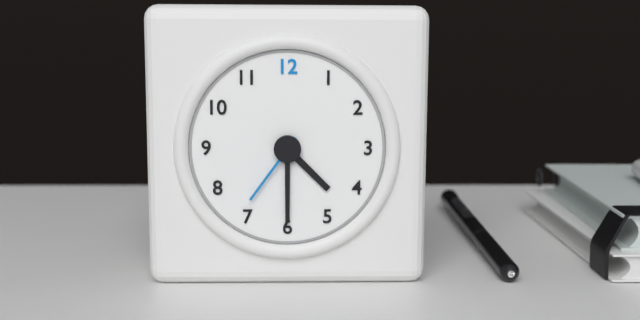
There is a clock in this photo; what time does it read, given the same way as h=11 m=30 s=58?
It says h=4 m=30 s=36
